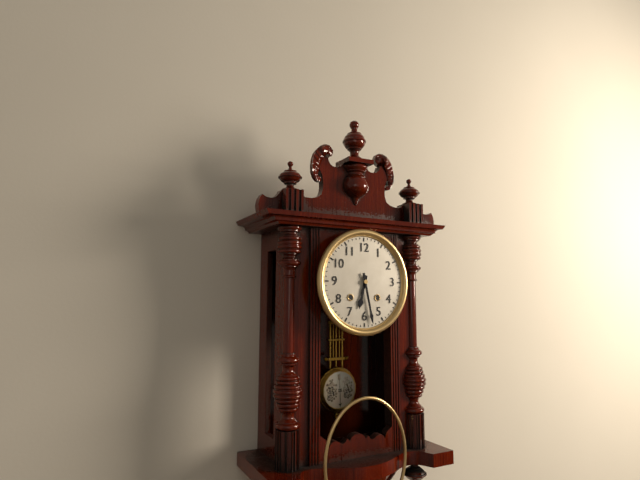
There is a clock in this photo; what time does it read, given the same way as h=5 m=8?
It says h=6 m=28
